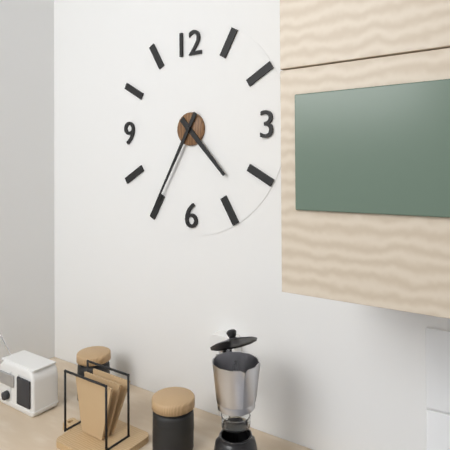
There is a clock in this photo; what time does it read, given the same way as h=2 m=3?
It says h=4 m=35
